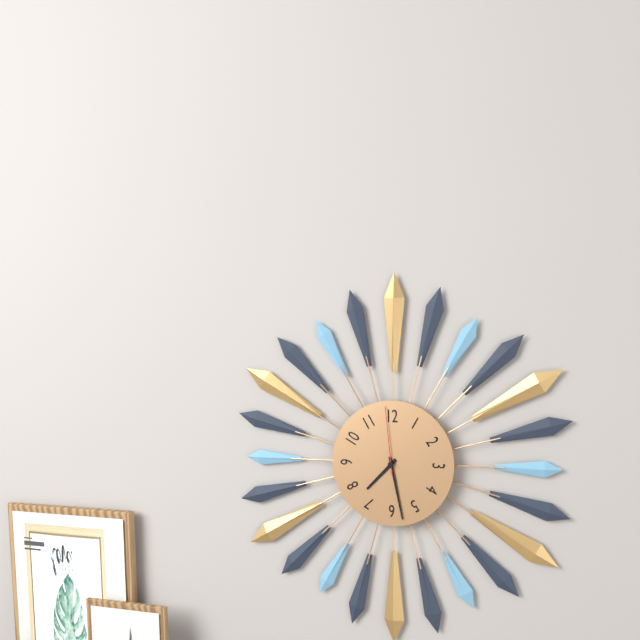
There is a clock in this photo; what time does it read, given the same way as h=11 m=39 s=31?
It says h=7 m=28 s=59
